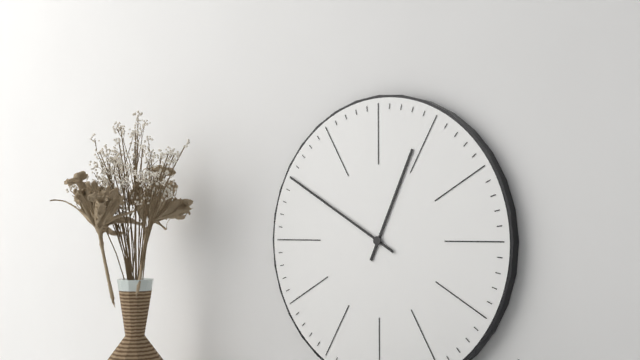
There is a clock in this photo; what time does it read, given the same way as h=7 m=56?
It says h=12 m=50
